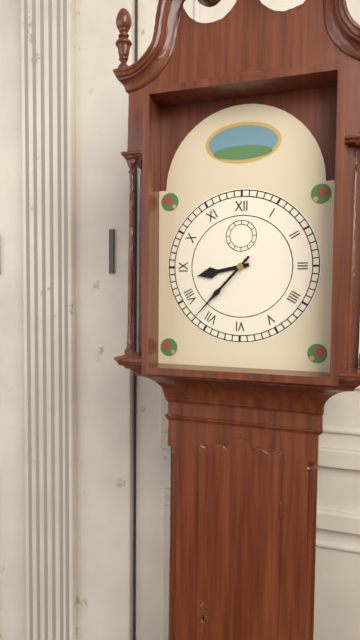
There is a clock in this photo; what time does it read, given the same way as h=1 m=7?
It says h=8 m=37
